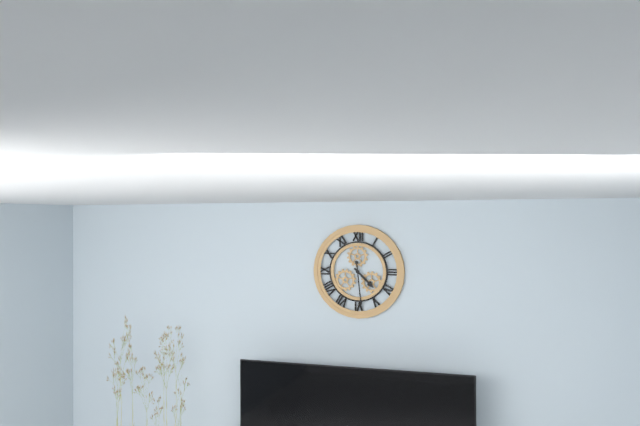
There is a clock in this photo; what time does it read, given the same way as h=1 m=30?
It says h=4 m=29
